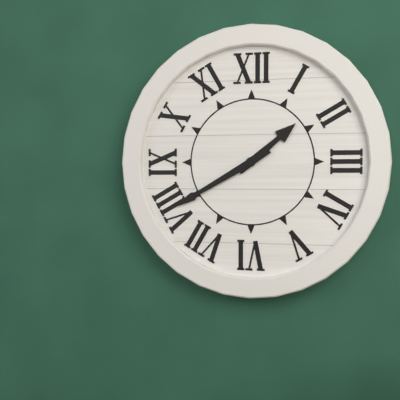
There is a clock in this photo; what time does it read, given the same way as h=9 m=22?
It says h=1 m=40
